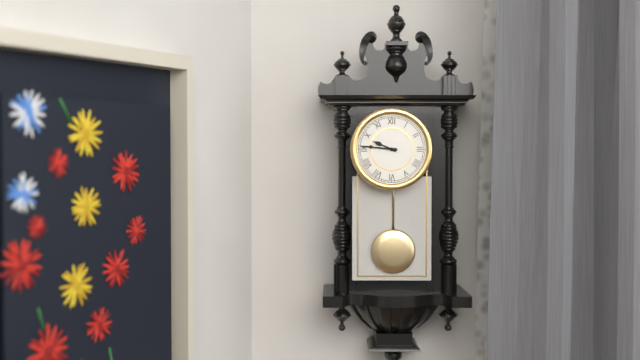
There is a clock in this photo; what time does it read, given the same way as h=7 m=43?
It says h=9 m=46
